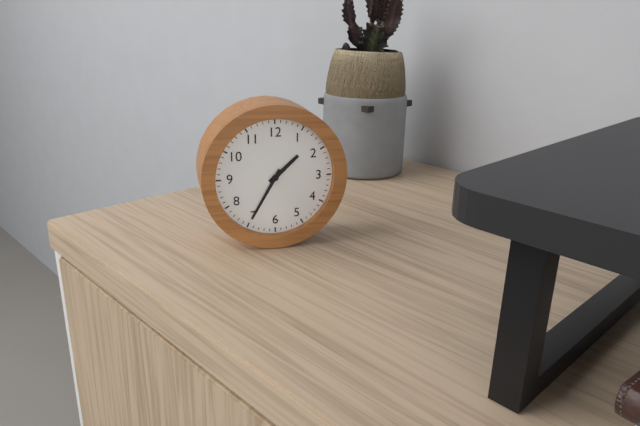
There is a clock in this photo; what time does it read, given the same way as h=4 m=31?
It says h=1 m=35
